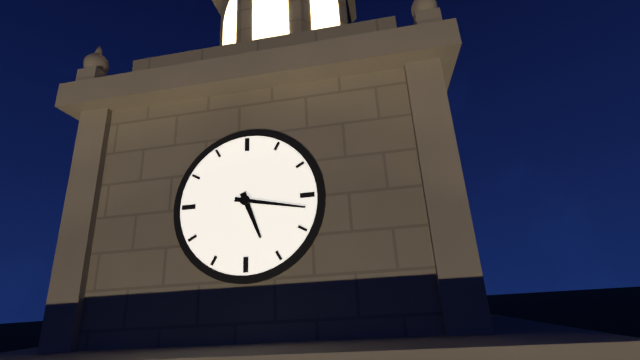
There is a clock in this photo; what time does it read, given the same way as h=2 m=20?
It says h=5 m=17
